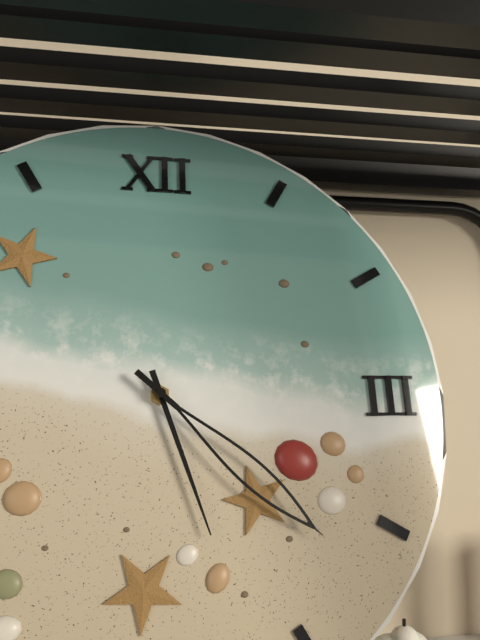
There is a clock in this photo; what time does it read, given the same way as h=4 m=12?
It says h=5 m=22
